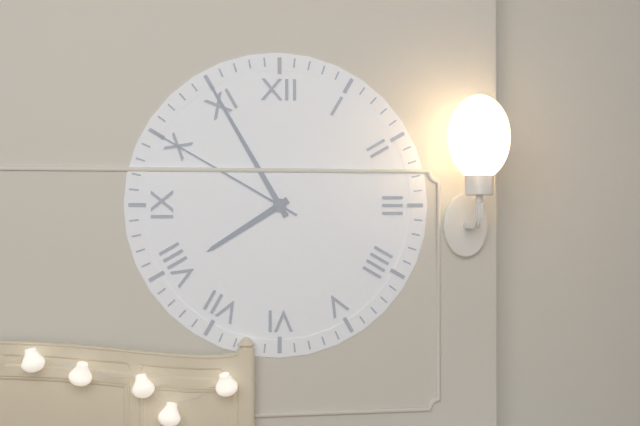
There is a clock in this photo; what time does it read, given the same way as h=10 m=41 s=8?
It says h=7 m=55 s=50
